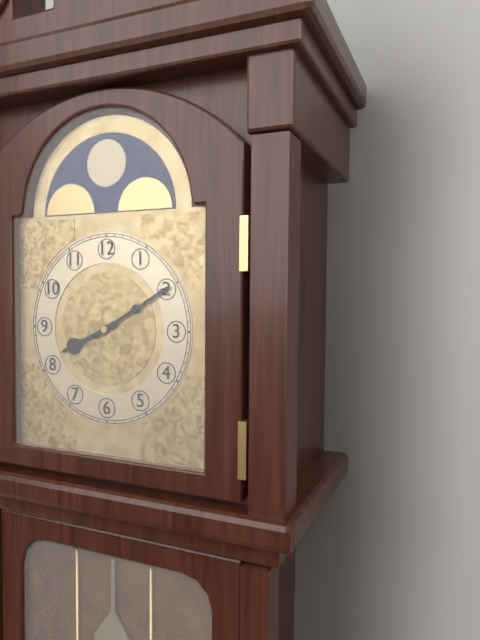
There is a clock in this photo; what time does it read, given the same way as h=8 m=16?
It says h=8 m=10
